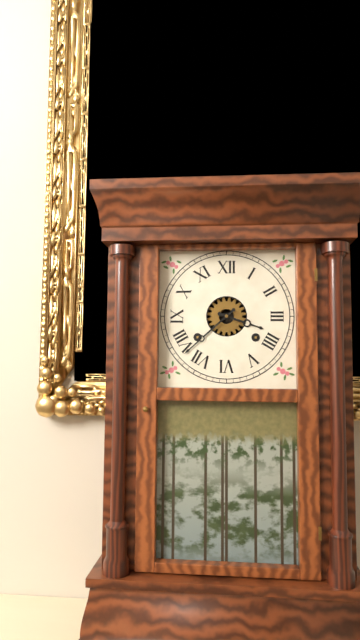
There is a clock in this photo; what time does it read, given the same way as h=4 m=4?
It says h=3 m=38
